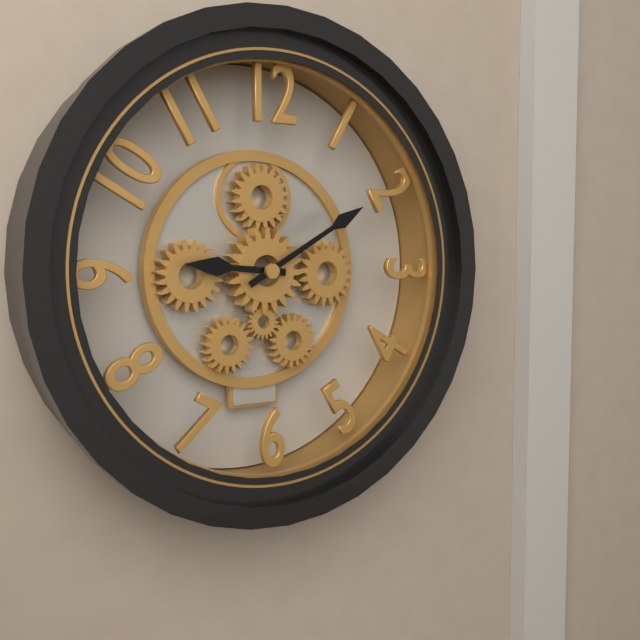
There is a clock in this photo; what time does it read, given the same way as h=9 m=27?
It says h=9 m=10
